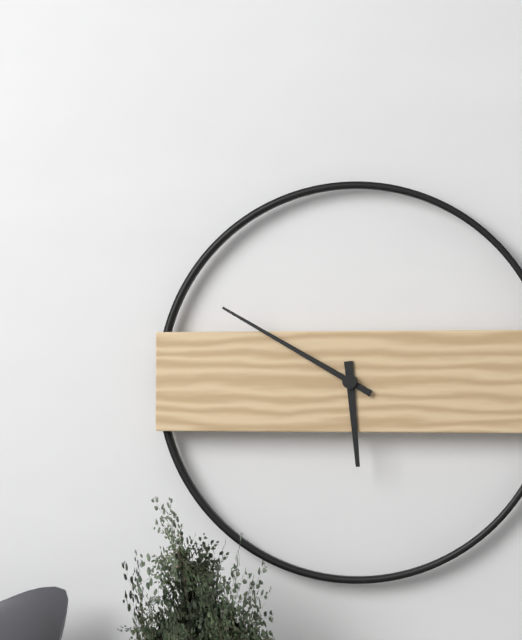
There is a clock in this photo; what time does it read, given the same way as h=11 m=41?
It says h=5 m=50
